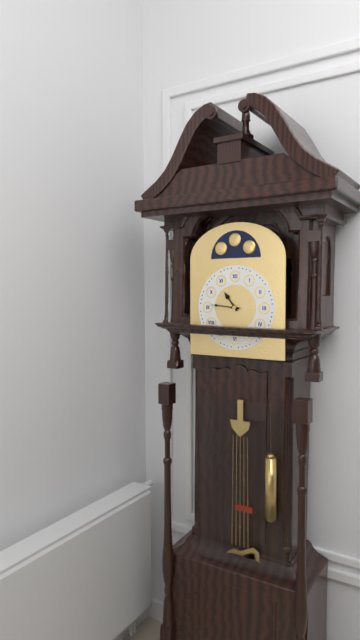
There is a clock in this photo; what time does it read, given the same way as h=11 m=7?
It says h=10 m=46
